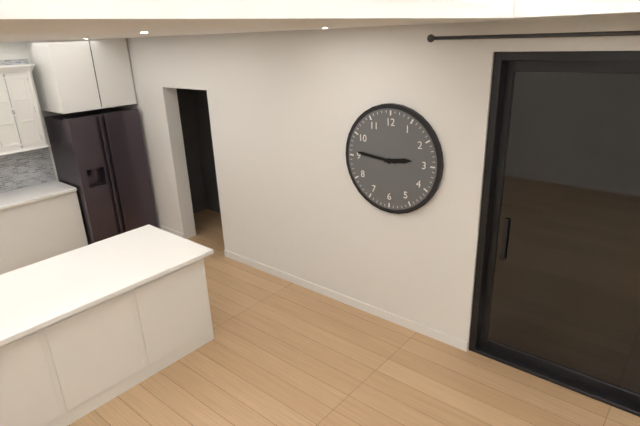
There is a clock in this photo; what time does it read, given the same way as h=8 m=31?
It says h=2 m=46
